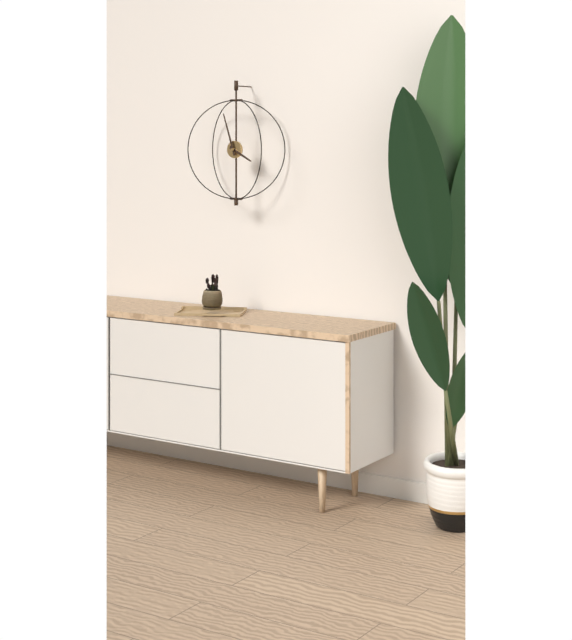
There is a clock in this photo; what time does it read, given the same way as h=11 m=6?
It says h=3 m=57
